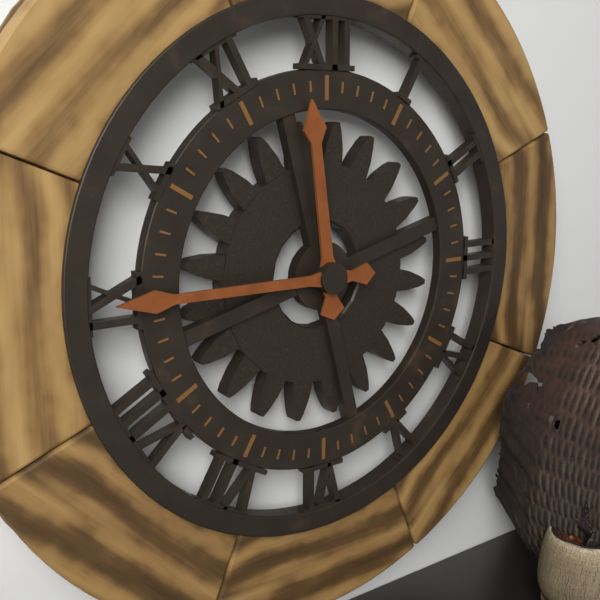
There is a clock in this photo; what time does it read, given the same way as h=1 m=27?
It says h=11 m=45
